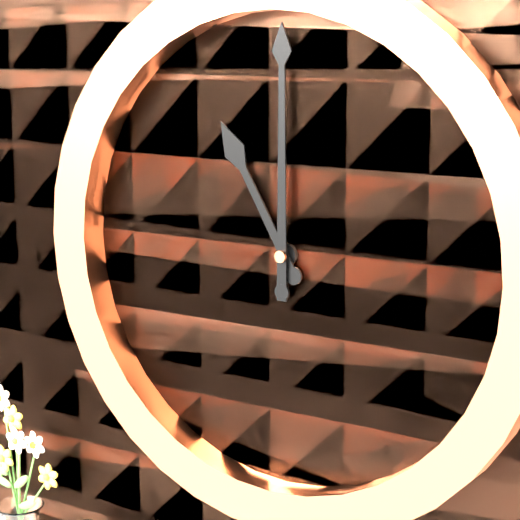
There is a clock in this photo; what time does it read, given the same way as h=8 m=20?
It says h=11 m=0
